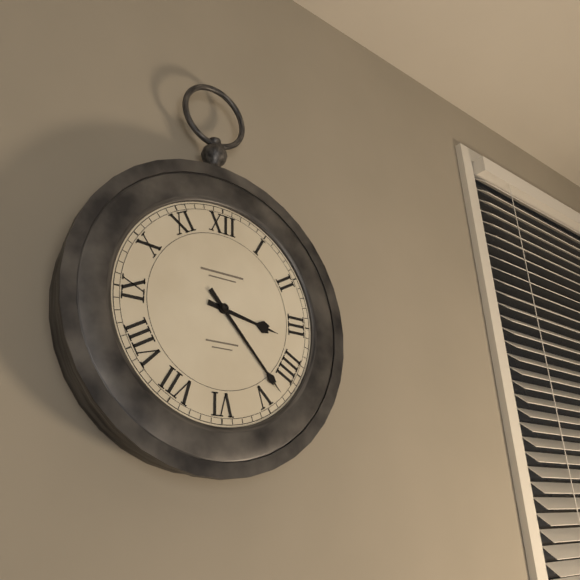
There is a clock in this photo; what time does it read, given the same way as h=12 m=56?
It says h=3 m=23
